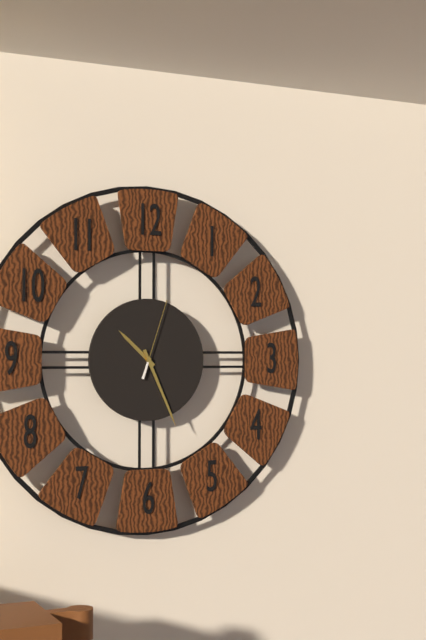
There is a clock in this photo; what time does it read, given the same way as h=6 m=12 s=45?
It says h=10 m=26 s=3
